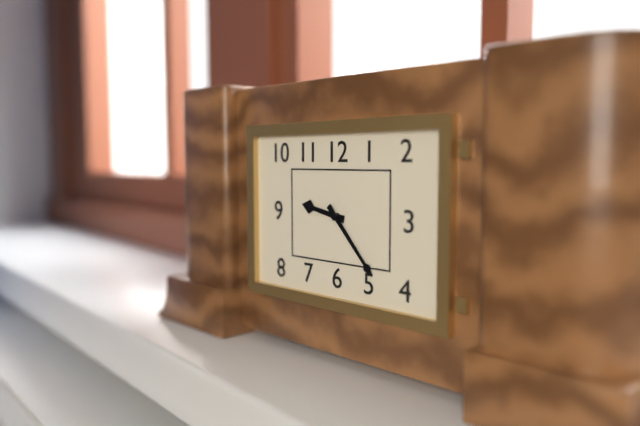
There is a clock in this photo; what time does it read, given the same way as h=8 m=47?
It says h=9 m=23
